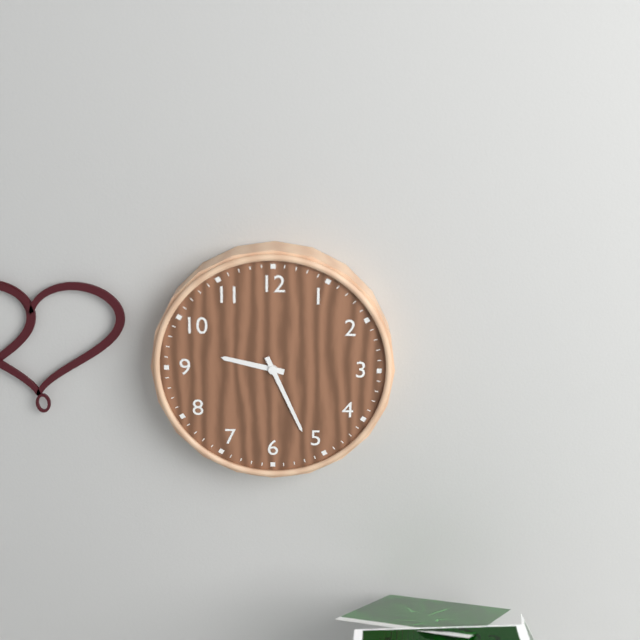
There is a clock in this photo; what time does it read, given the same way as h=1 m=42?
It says h=9 m=26
